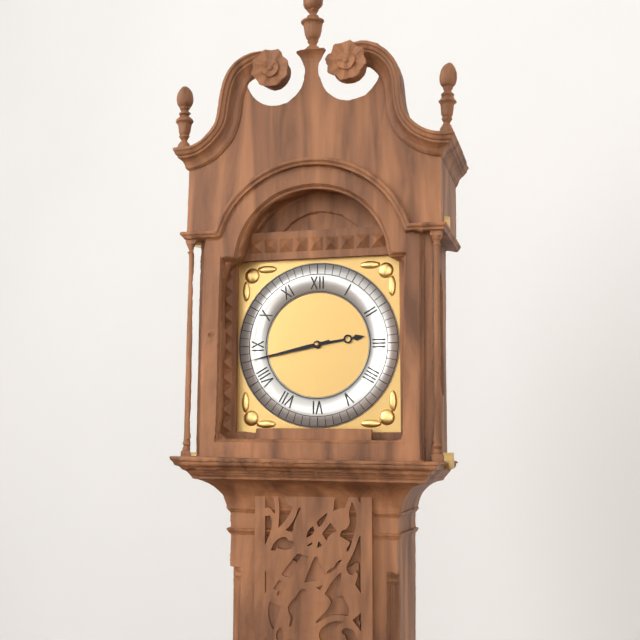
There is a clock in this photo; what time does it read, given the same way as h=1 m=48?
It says h=2 m=43
